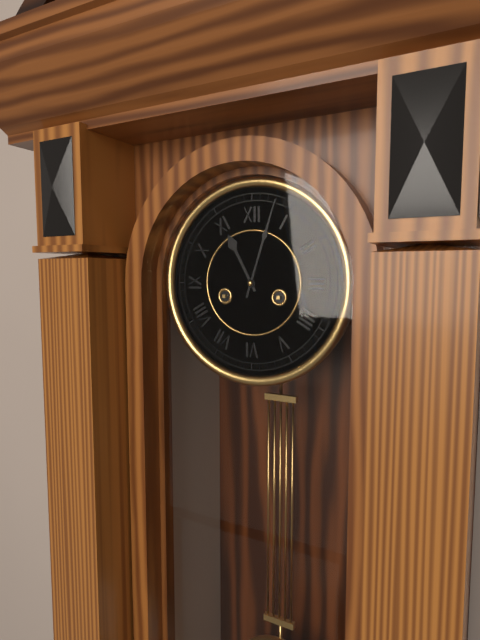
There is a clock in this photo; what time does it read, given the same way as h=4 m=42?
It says h=11 m=3
